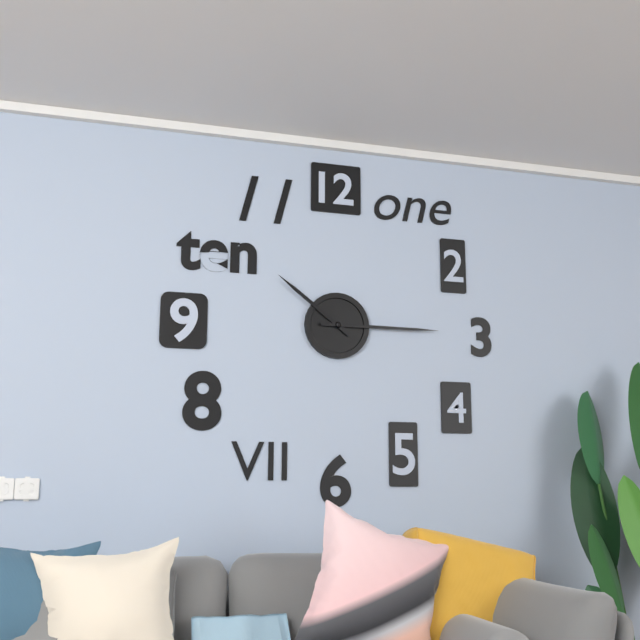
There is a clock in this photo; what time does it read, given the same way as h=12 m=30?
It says h=10 m=15
